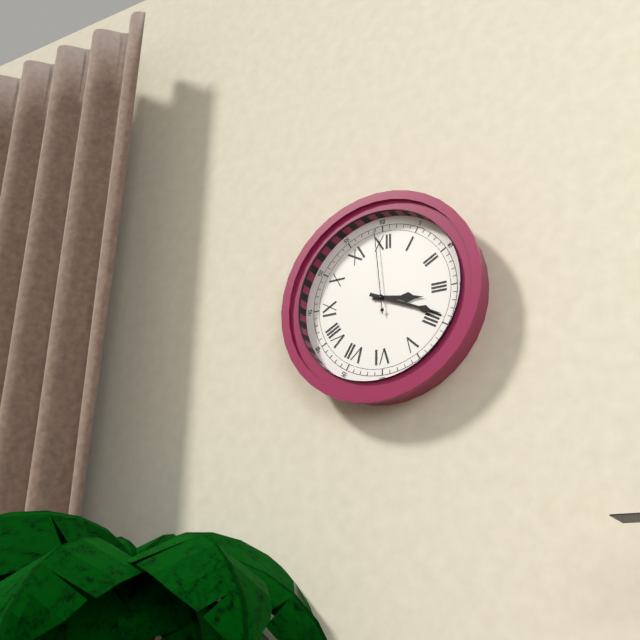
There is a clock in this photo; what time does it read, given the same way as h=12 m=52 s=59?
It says h=3 m=19 s=59
